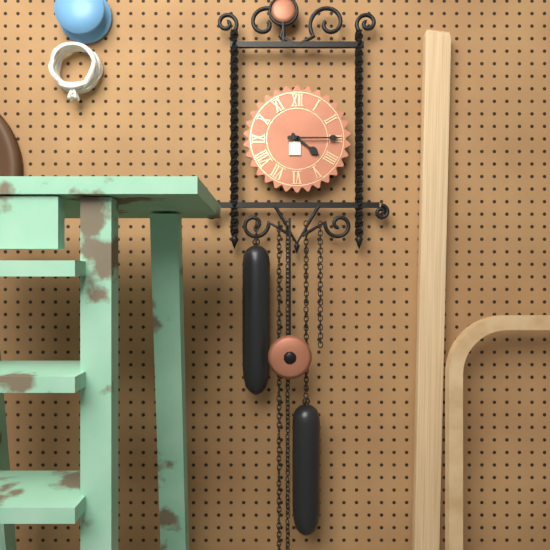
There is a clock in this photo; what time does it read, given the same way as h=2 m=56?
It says h=4 m=15
